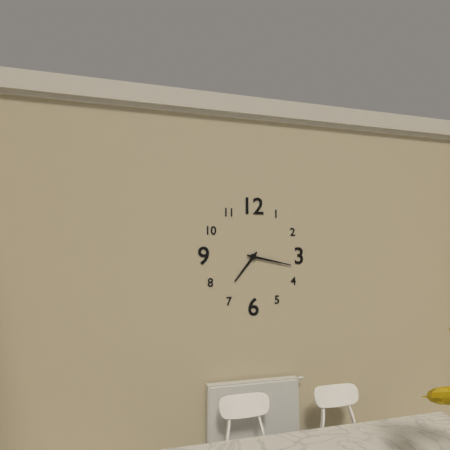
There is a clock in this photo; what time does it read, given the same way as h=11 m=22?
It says h=7 m=17
